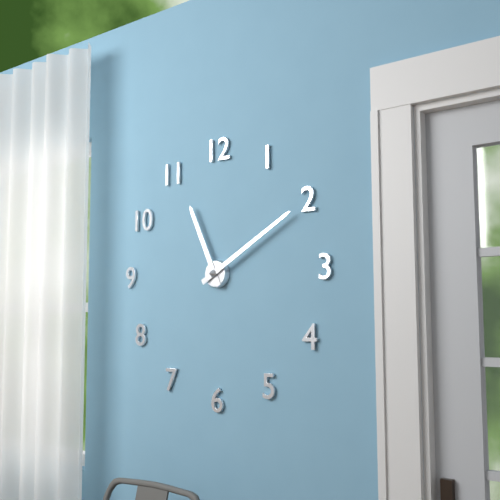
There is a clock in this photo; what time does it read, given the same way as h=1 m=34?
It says h=11 m=10
